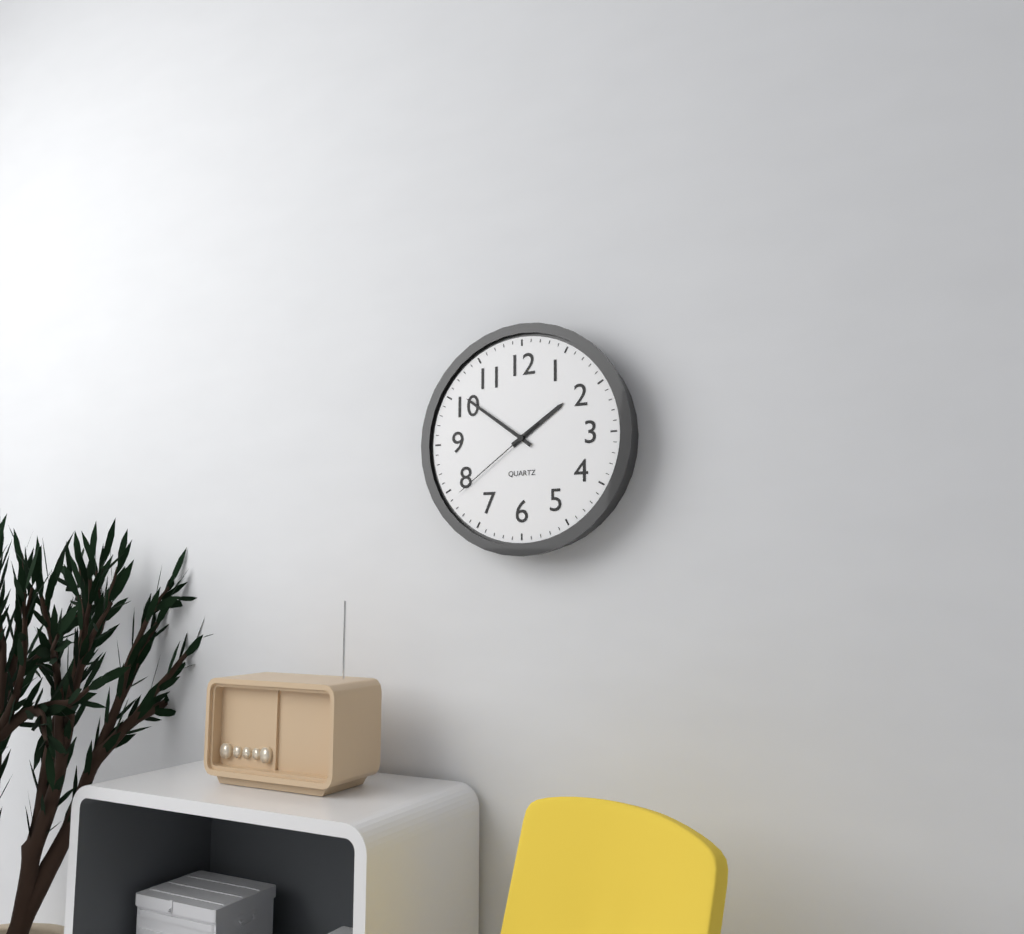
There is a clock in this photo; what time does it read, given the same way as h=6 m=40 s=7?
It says h=1 m=51 s=39
